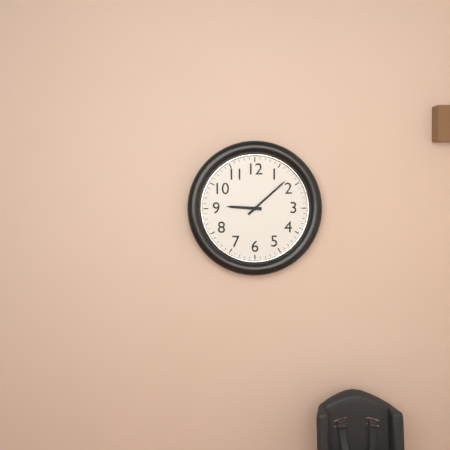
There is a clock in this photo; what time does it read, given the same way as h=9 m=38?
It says h=9 m=8
